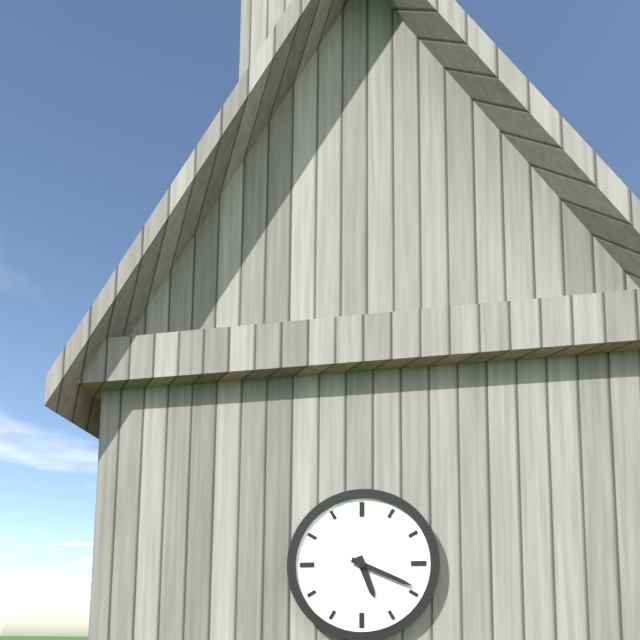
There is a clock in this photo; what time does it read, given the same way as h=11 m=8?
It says h=5 m=19
